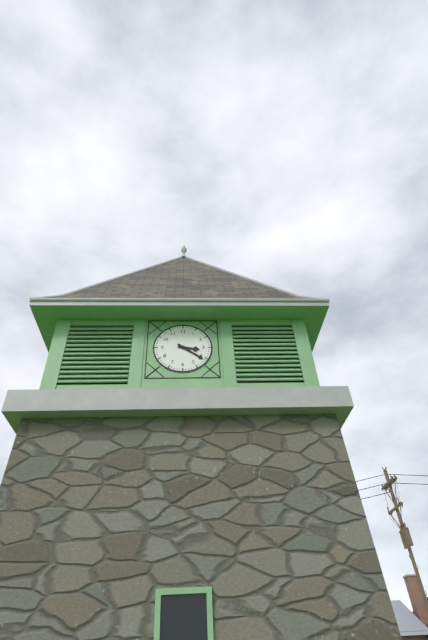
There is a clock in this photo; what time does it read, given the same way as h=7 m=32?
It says h=3 m=21
